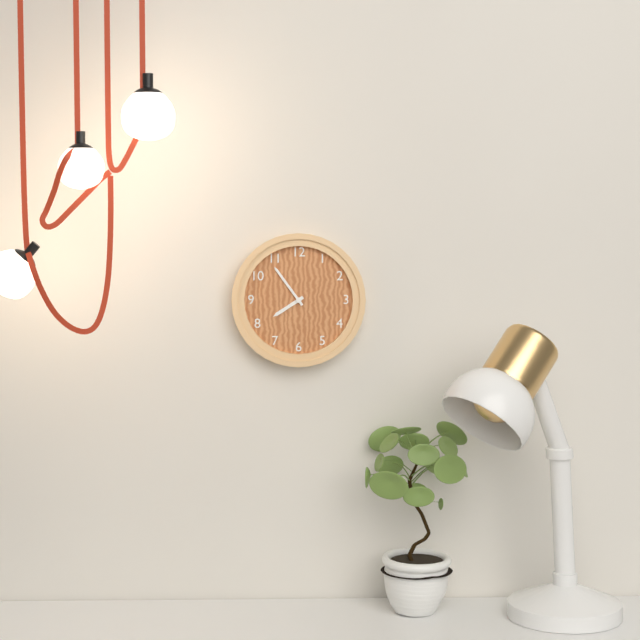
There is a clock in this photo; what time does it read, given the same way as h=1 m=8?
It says h=7 m=54
